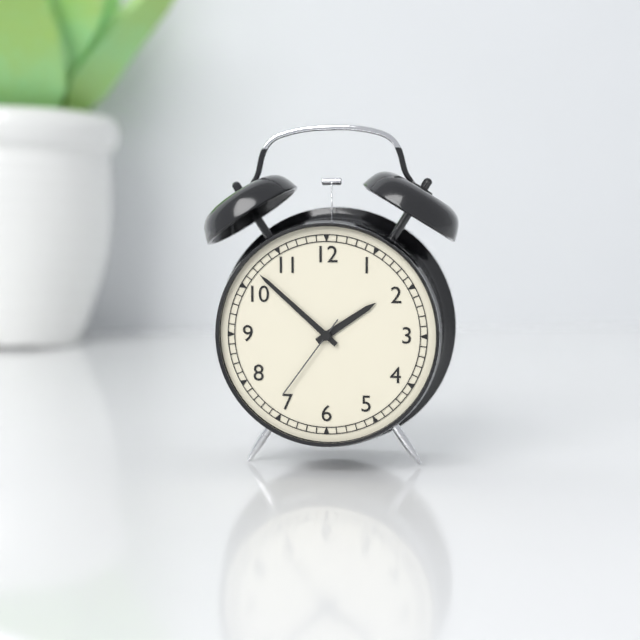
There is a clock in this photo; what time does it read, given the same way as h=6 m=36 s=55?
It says h=1 m=52 s=36
